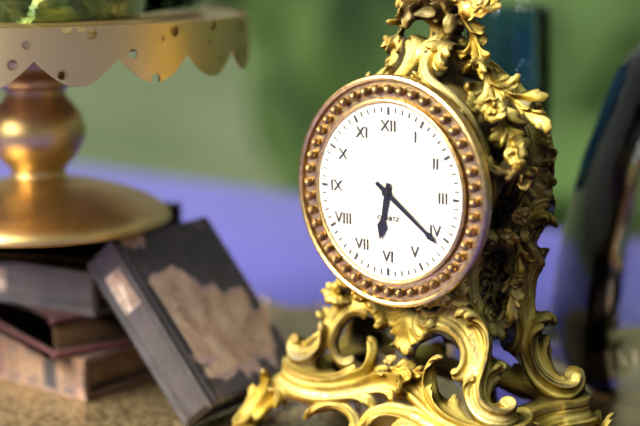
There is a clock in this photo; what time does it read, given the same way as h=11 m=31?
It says h=6 m=21
